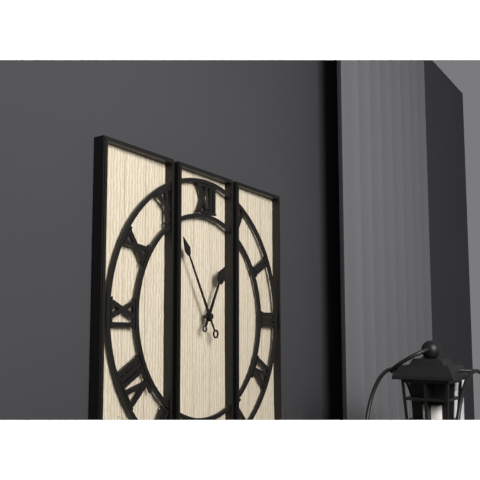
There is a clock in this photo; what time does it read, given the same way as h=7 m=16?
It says h=12 m=55
